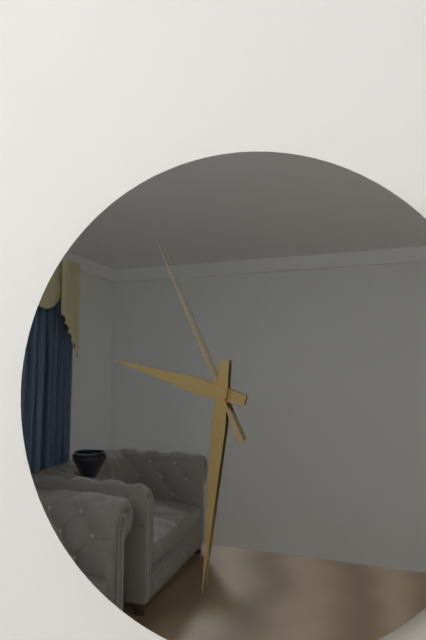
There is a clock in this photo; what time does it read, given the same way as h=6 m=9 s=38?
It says h=9 m=31 s=56
